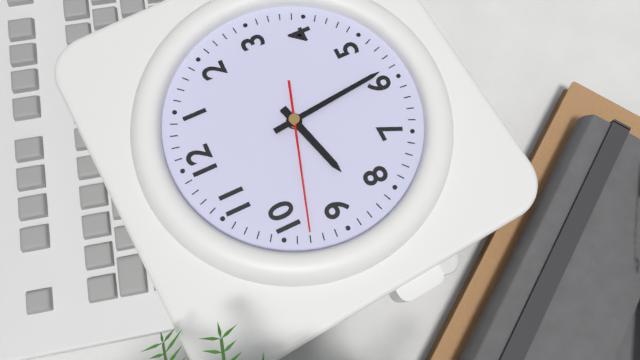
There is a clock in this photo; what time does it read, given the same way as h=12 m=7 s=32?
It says h=8 m=29 s=48
